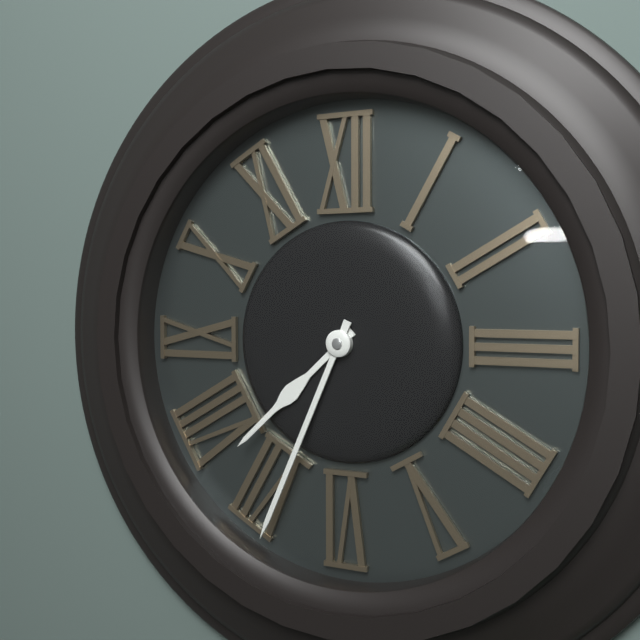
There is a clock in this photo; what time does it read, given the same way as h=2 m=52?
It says h=7 m=34
